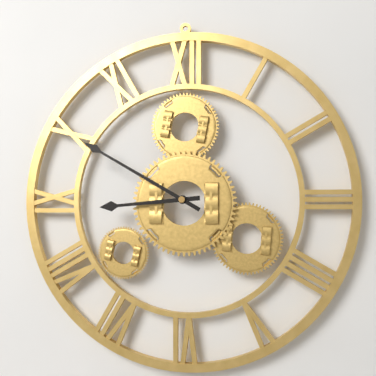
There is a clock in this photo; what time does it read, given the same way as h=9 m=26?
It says h=8 m=50
